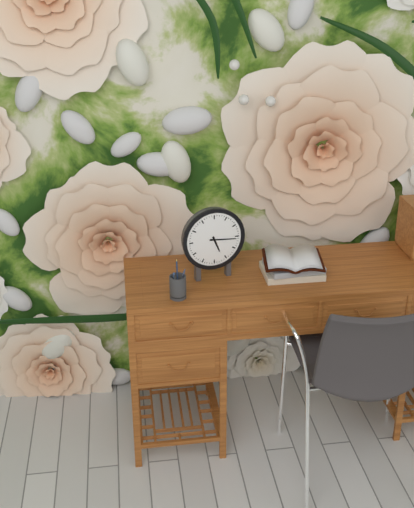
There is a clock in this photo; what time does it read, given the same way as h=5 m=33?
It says h=5 m=16
